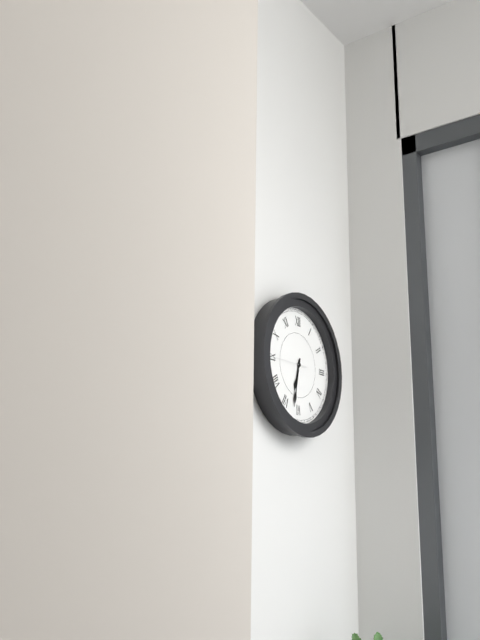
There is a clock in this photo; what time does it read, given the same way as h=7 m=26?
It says h=6 m=32
